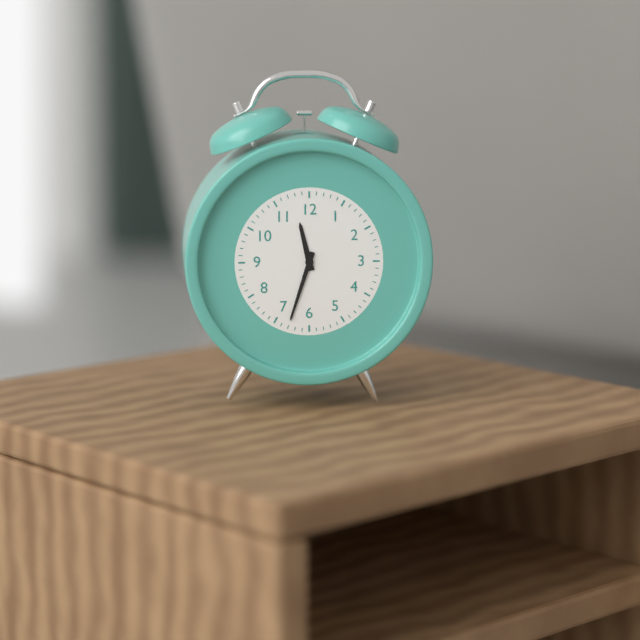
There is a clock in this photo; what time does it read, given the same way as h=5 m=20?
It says h=11 m=33
